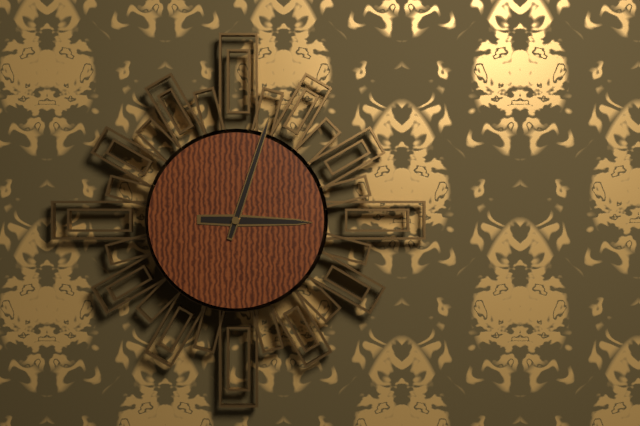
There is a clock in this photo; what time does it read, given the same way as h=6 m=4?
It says h=3 m=3
